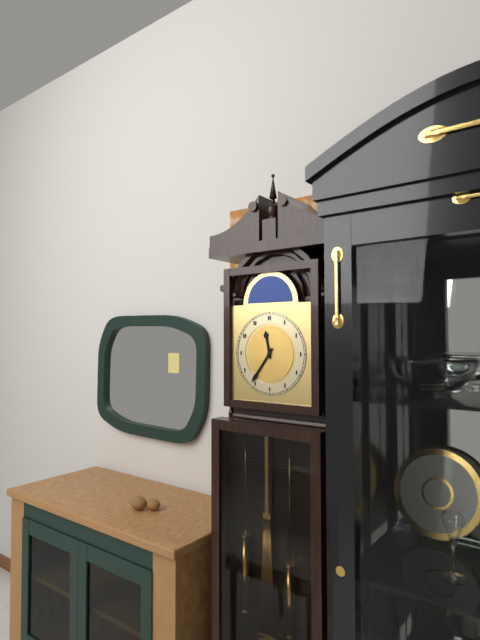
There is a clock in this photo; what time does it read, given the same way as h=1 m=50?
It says h=11 m=36
